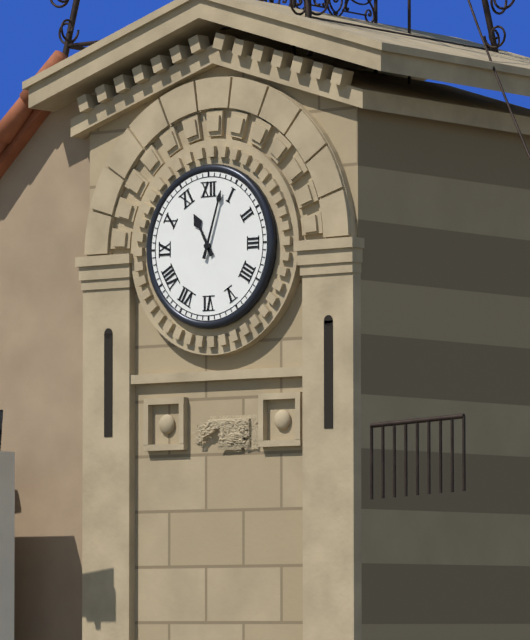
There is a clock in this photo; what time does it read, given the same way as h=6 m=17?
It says h=11 m=3
